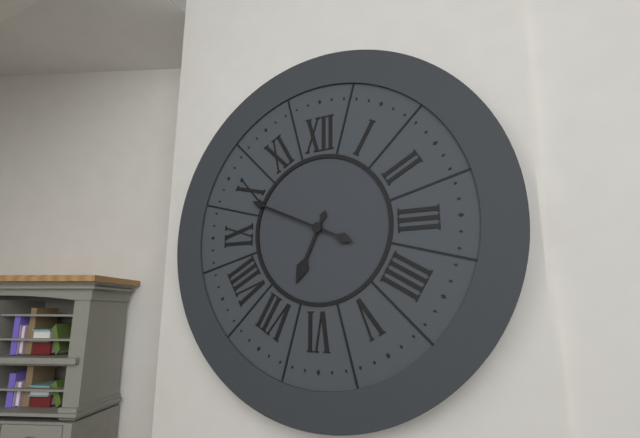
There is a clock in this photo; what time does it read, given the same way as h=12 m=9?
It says h=6 m=49
